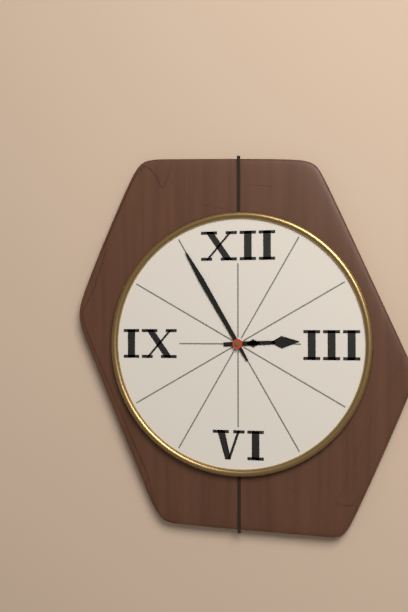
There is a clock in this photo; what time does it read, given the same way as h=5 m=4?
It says h=2 m=55
